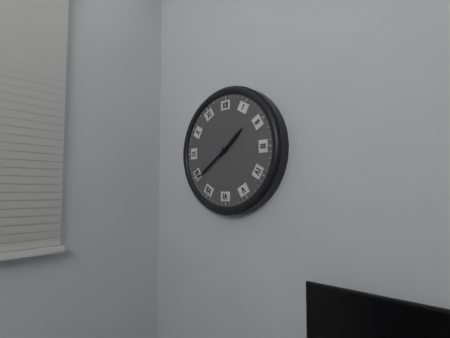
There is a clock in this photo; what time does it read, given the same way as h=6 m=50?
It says h=1 m=39
